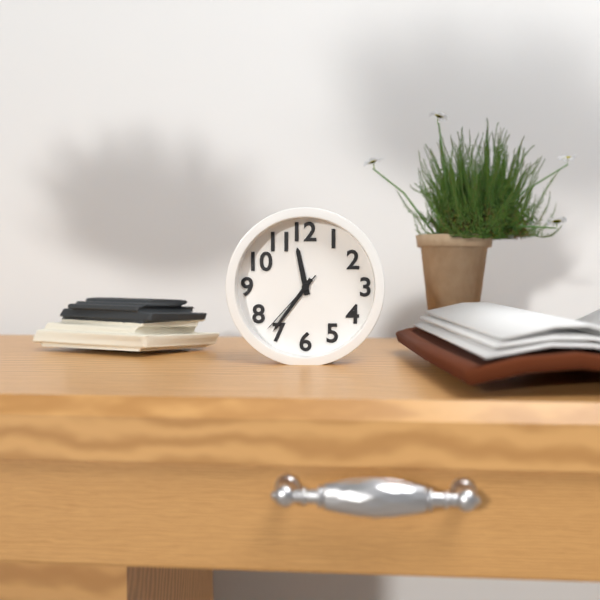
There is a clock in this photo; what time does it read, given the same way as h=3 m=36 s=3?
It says h=11 m=36 s=37
